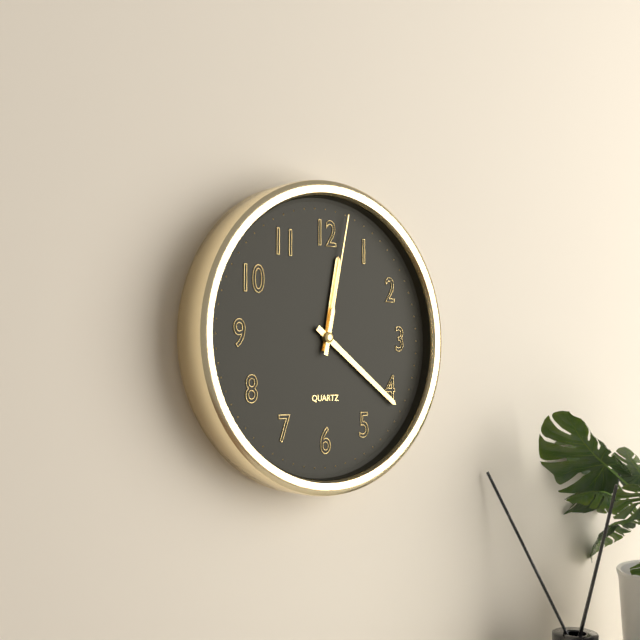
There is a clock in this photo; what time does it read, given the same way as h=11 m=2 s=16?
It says h=12 m=21 s=2
